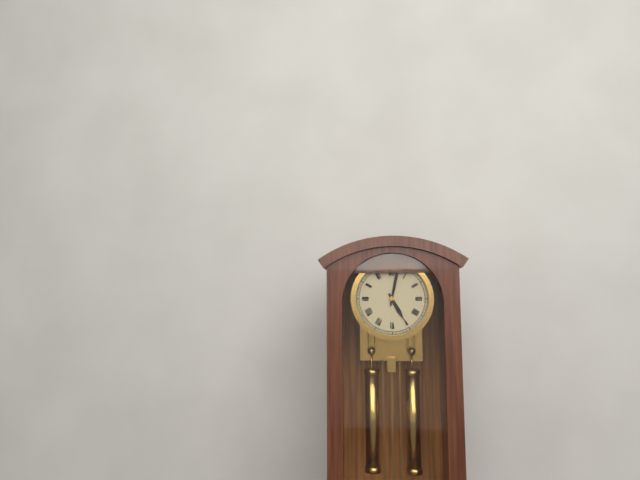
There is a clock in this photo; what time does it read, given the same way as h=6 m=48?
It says h=5 m=2
